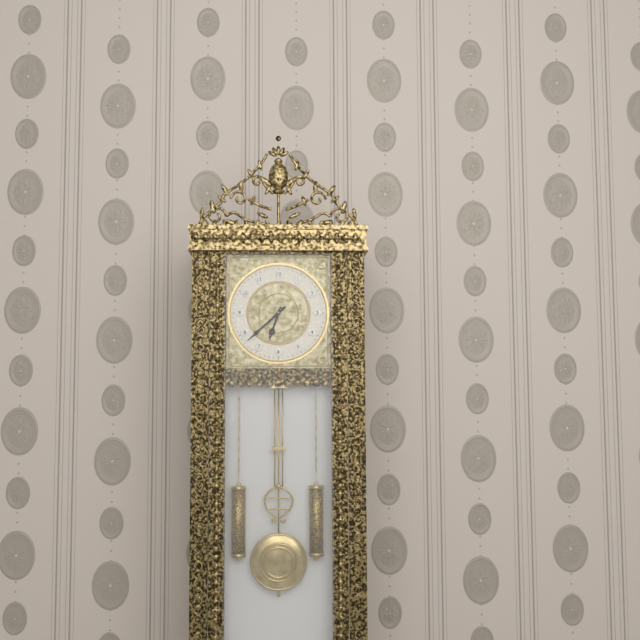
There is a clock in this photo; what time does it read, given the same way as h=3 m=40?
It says h=6 m=38
